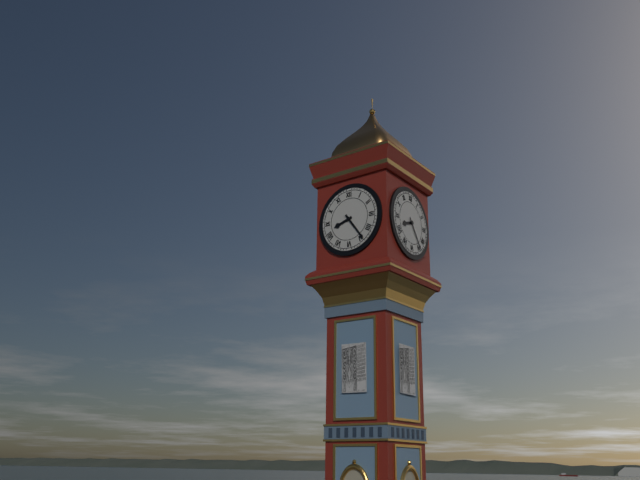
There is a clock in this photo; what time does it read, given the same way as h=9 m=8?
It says h=8 m=24
